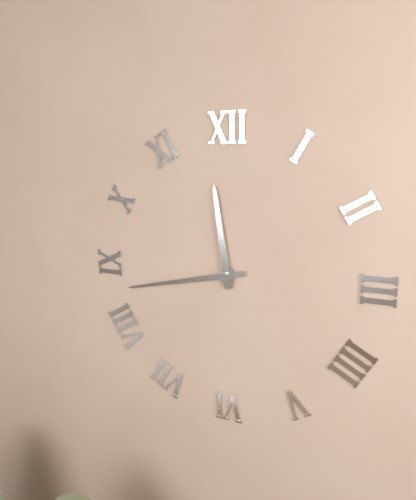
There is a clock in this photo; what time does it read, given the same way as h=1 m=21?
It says h=11 m=43
